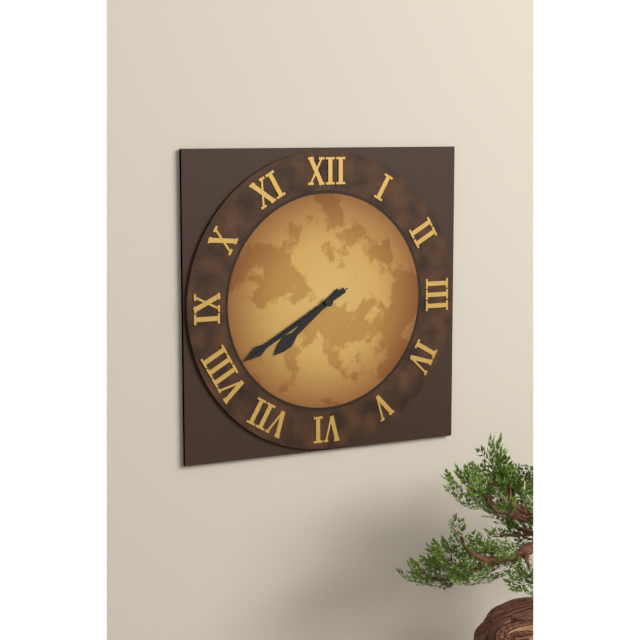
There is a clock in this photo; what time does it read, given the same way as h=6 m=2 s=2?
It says h=7 m=40 s=40
